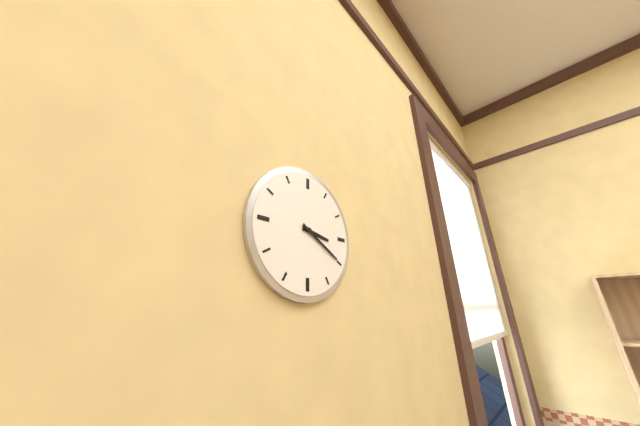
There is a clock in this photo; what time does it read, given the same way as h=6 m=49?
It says h=3 m=20
